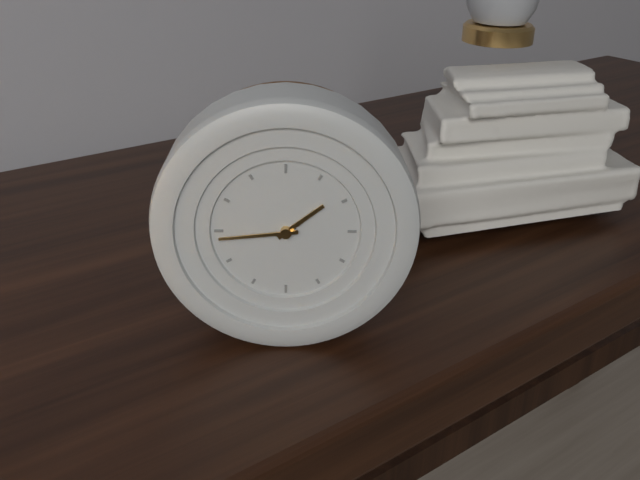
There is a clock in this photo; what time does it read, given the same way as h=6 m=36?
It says h=1 m=44
